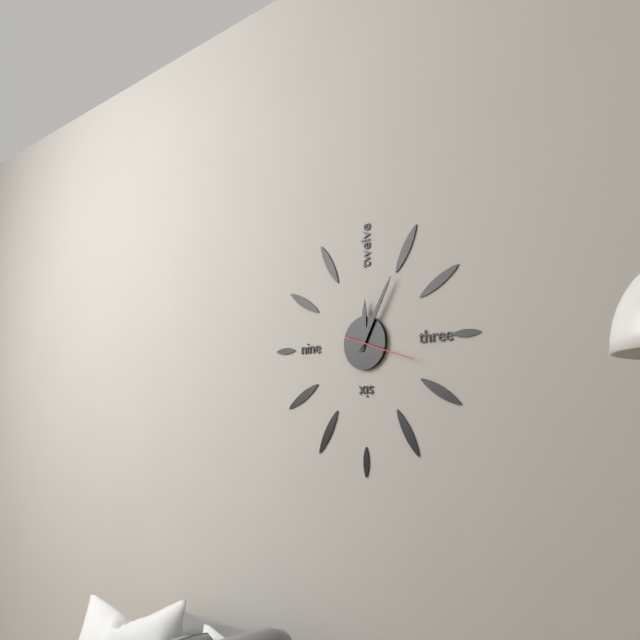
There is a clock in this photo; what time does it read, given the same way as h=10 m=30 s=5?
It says h=12 m=5 s=18
